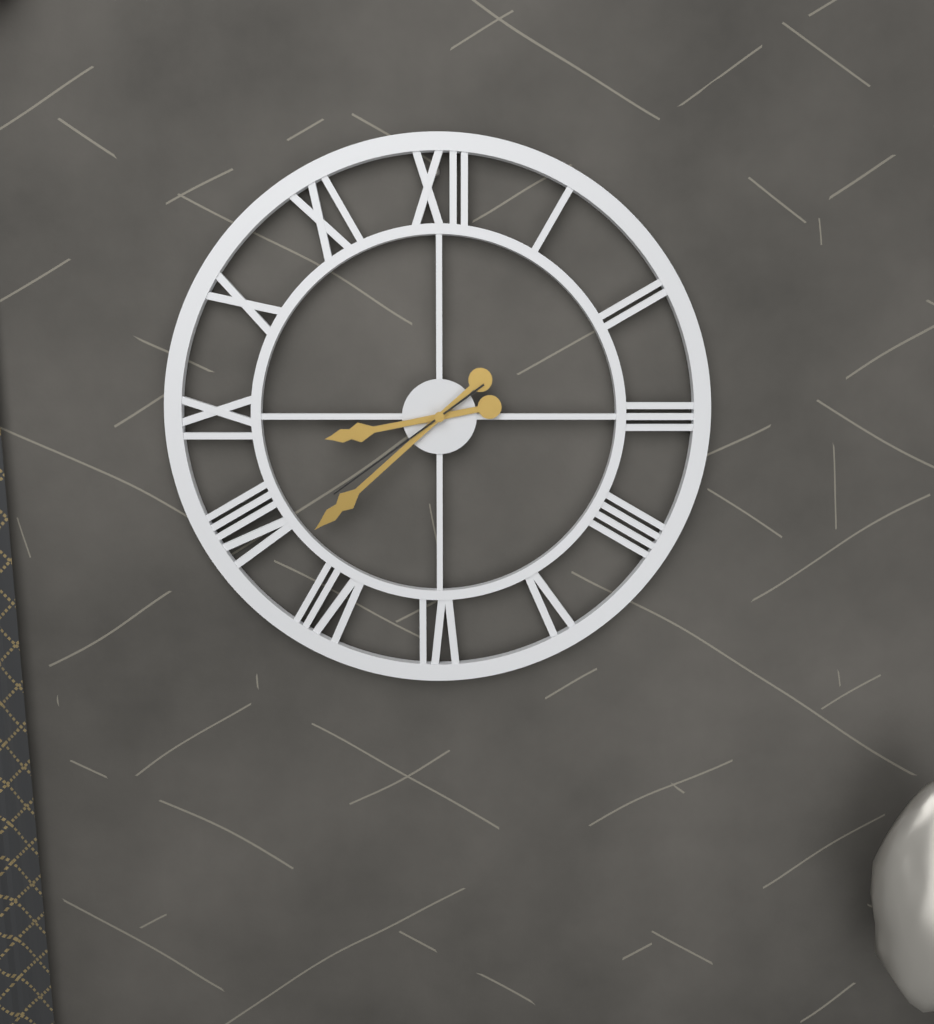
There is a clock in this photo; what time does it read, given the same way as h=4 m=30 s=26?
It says h=8 m=38 s=39
